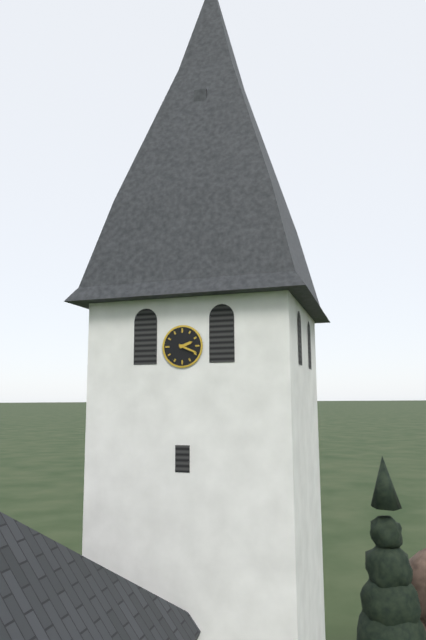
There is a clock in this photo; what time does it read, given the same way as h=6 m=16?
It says h=2 m=19
